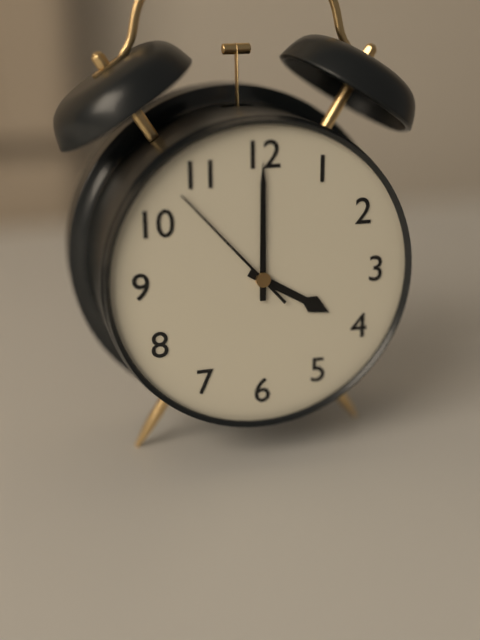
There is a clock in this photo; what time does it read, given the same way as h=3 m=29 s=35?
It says h=4 m=0 s=53
